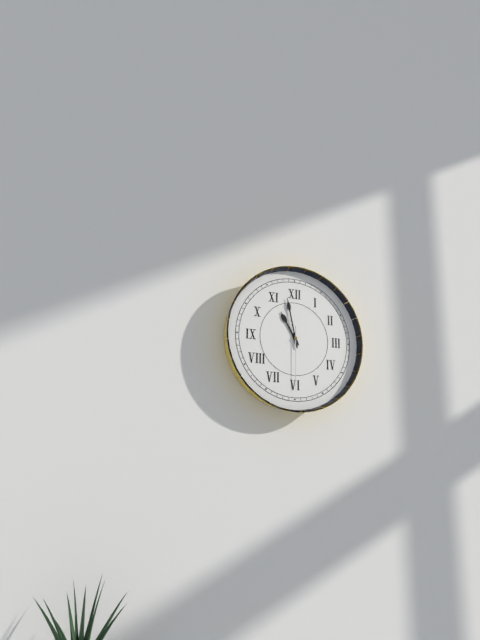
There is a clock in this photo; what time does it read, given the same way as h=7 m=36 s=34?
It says h=10 m=58 s=30
